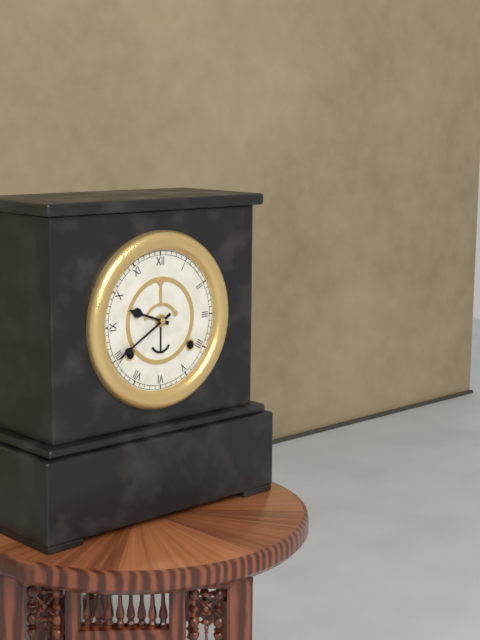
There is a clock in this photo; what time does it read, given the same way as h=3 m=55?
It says h=9 m=40
